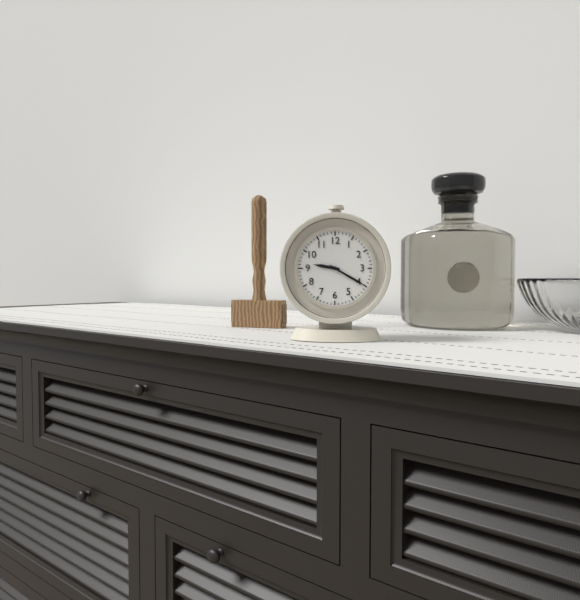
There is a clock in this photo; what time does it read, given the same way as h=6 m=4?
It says h=9 m=20
